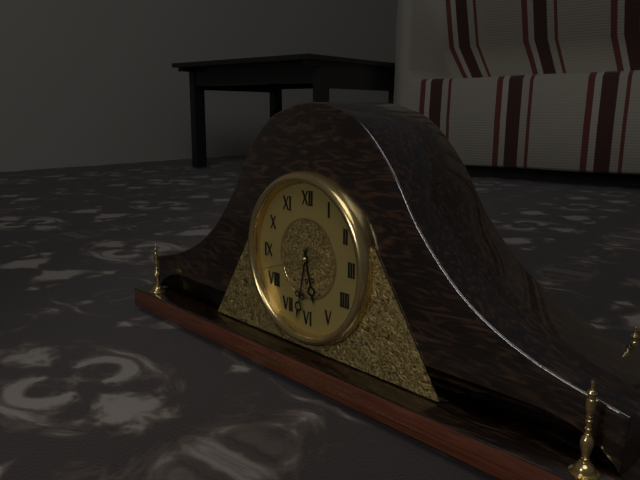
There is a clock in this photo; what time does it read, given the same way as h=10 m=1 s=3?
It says h=5 m=32 s=42
